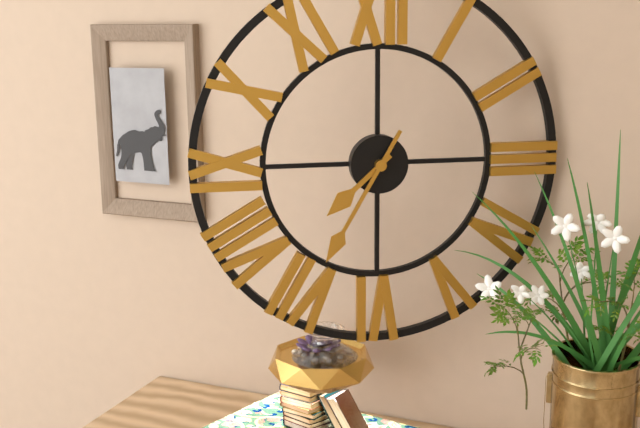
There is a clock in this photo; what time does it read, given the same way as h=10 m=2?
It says h=7 m=35
